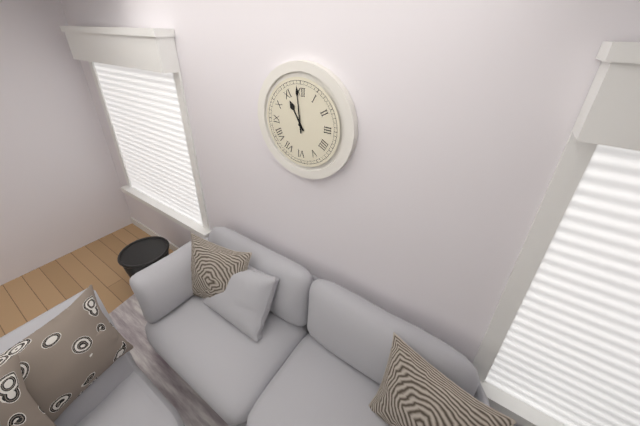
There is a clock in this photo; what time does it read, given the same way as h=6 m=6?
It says h=10 m=59
